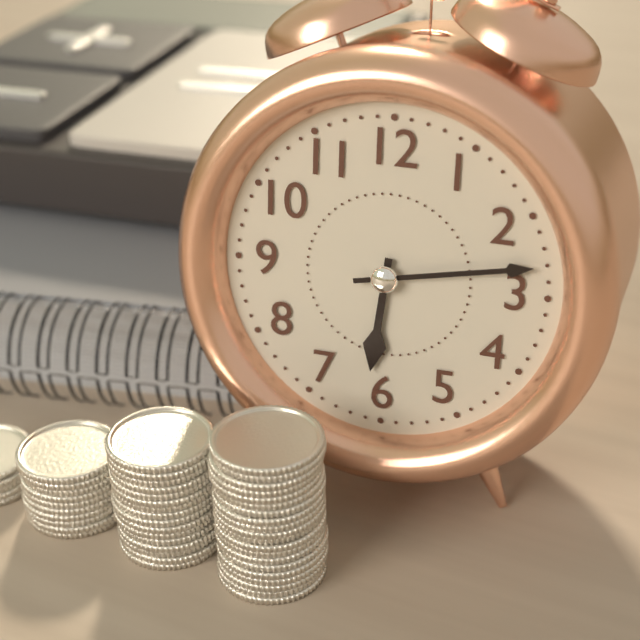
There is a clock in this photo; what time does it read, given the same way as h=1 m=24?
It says h=6 m=13
